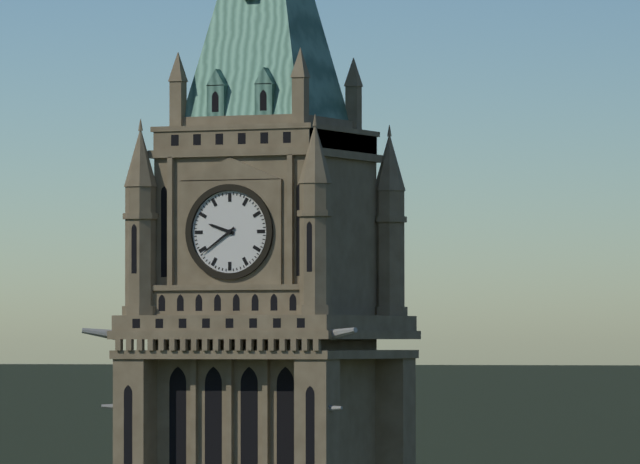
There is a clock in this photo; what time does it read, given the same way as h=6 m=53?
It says h=9 m=39
